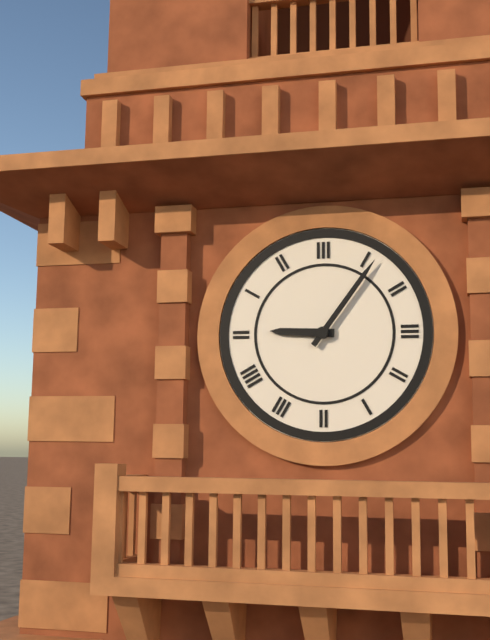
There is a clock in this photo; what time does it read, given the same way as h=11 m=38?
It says h=9 m=6
